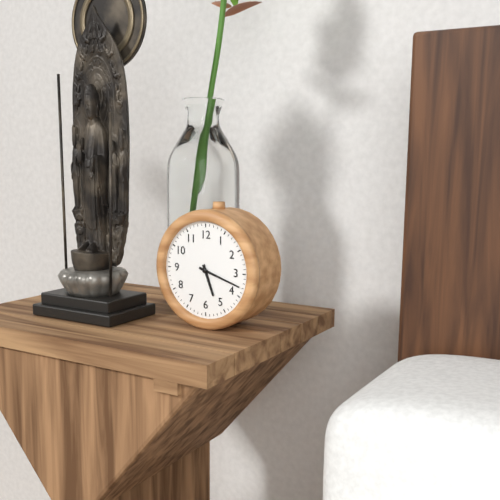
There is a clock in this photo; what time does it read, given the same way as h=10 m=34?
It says h=5 m=18
